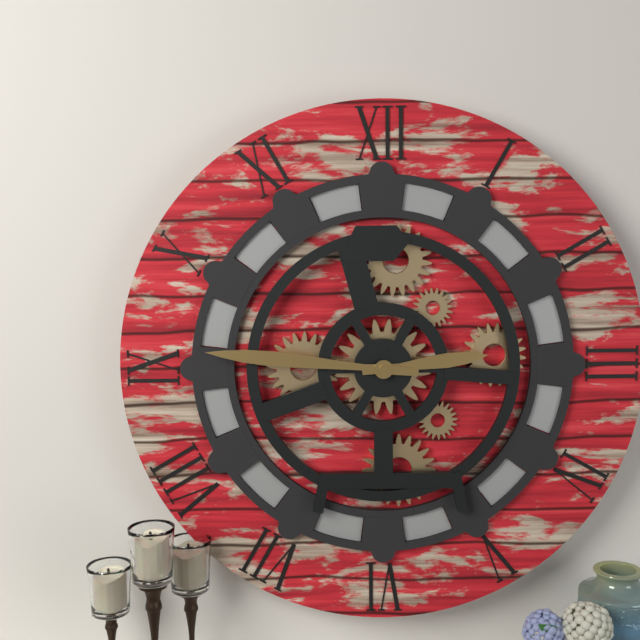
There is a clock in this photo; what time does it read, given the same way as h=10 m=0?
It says h=2 m=46
